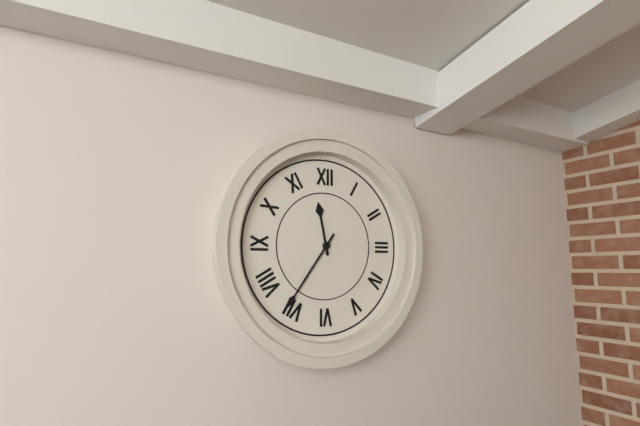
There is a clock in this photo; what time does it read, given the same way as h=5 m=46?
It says h=11 m=36
